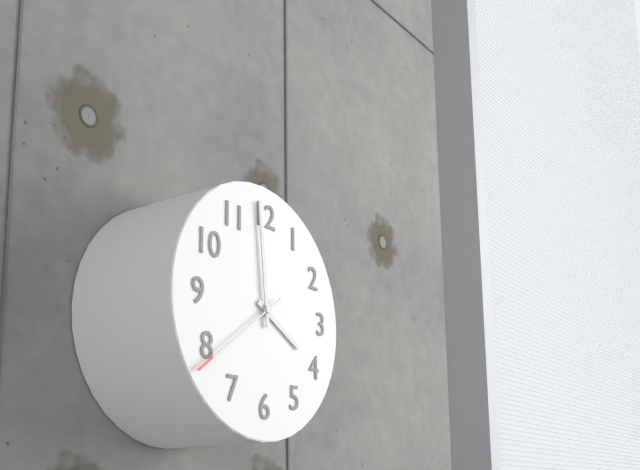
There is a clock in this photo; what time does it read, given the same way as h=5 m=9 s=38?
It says h=3 m=59 s=39
